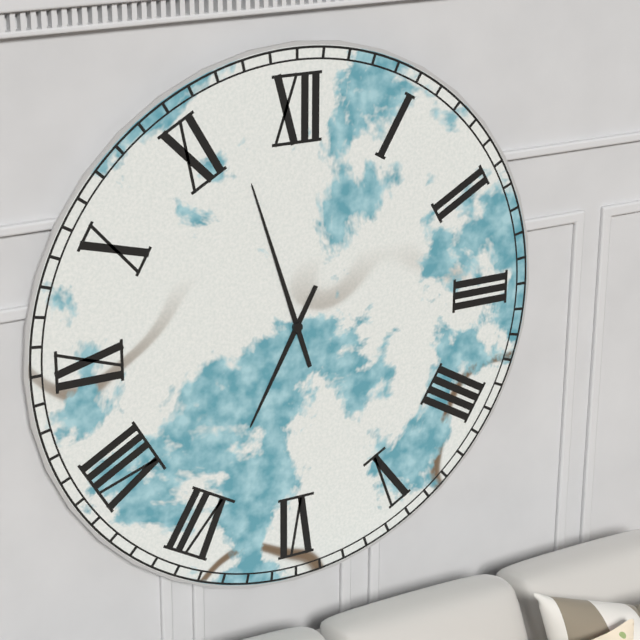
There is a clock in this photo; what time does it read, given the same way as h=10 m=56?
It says h=6 m=57
